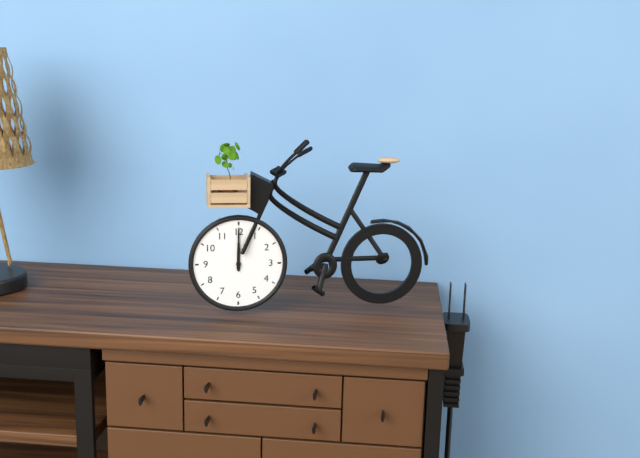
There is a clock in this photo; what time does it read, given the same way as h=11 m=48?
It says h=12 m=0
